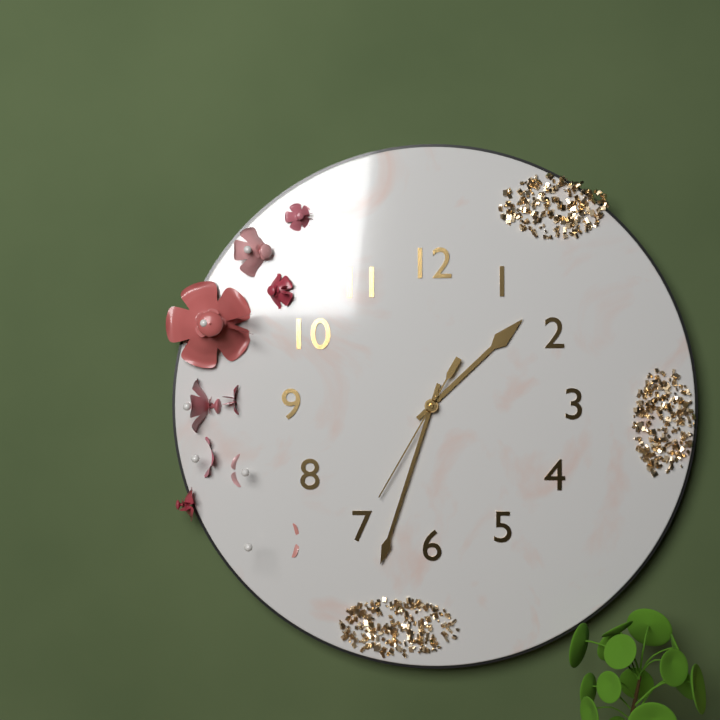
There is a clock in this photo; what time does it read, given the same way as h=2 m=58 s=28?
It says h=1 m=33 s=35
